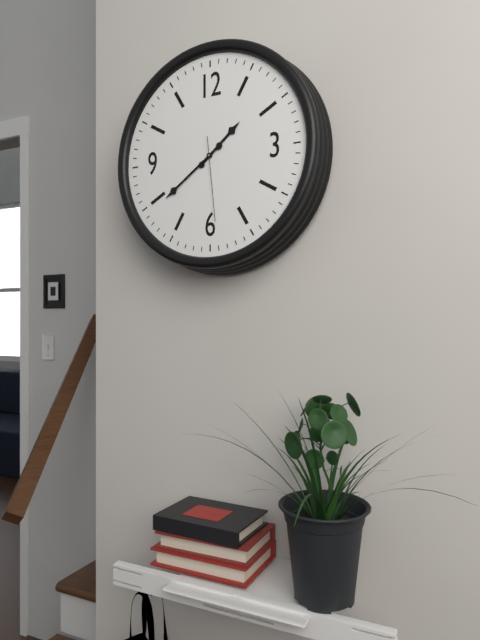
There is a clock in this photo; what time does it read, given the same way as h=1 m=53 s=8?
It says h=1 m=39 s=29
